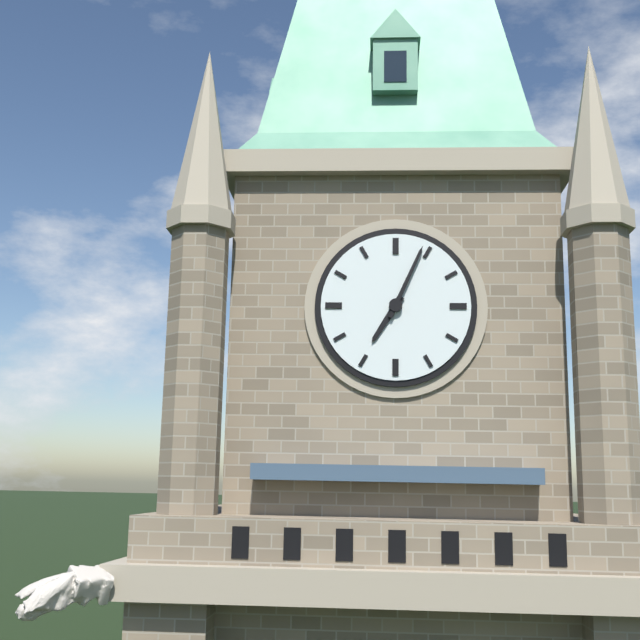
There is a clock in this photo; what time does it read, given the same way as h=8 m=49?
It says h=7 m=4
